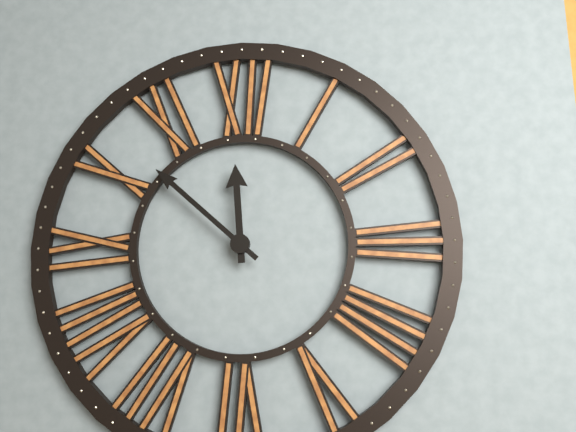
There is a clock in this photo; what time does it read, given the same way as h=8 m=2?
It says h=11 m=52
